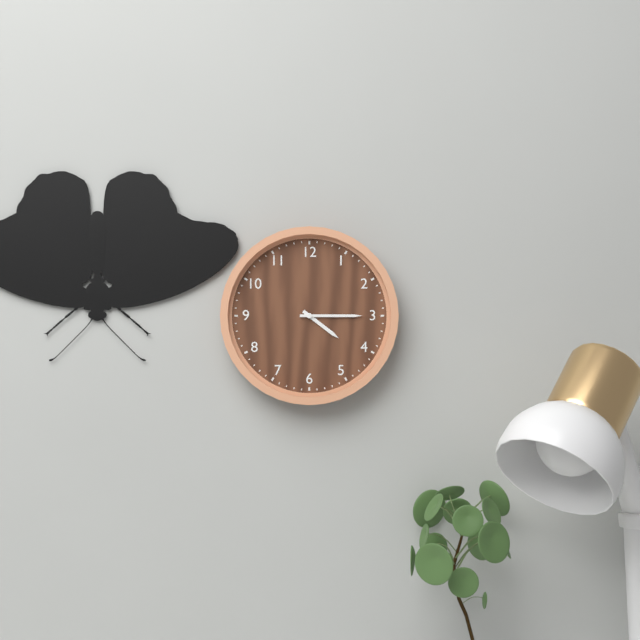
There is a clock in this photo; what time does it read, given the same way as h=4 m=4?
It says h=4 m=15
